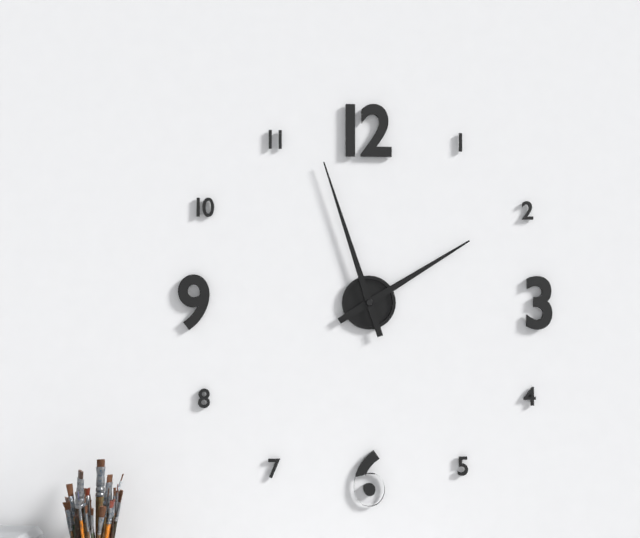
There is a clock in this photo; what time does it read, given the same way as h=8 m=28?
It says h=1 m=57
